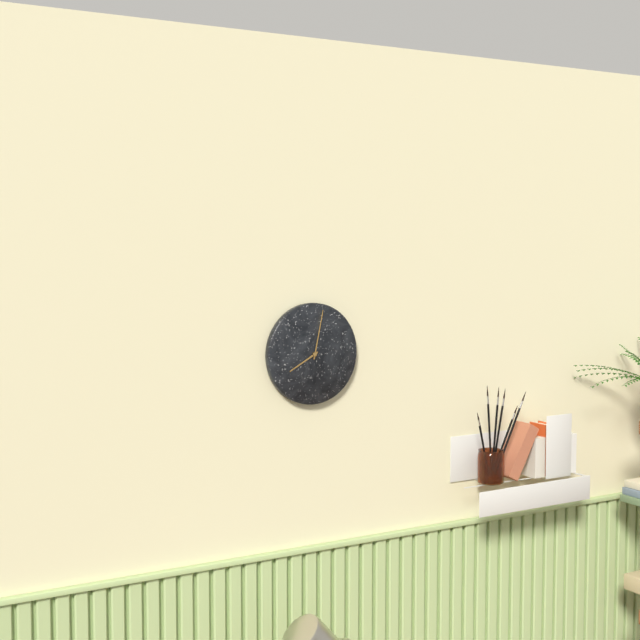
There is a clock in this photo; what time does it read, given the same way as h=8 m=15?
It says h=8 m=2
